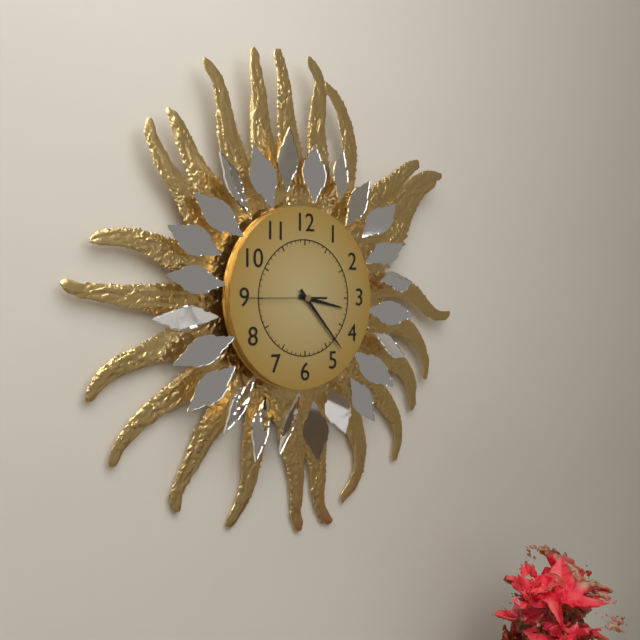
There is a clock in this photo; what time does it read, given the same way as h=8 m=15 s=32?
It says h=3 m=23 s=45
